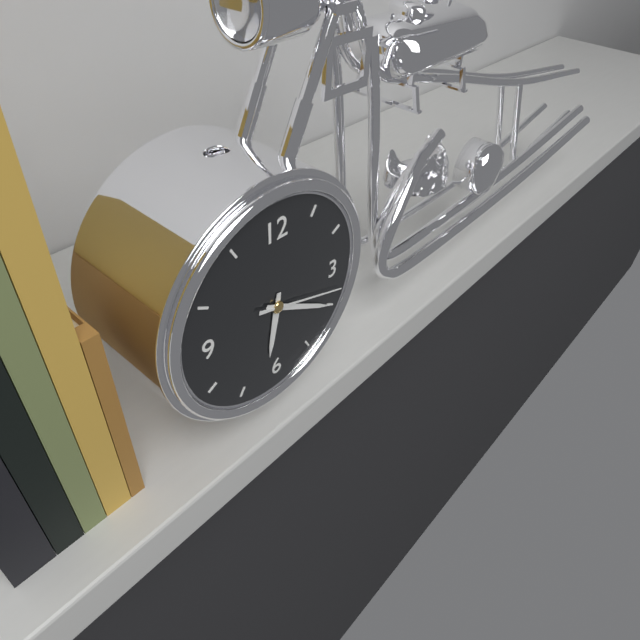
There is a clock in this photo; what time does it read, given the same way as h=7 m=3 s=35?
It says h=6 m=20 s=18
